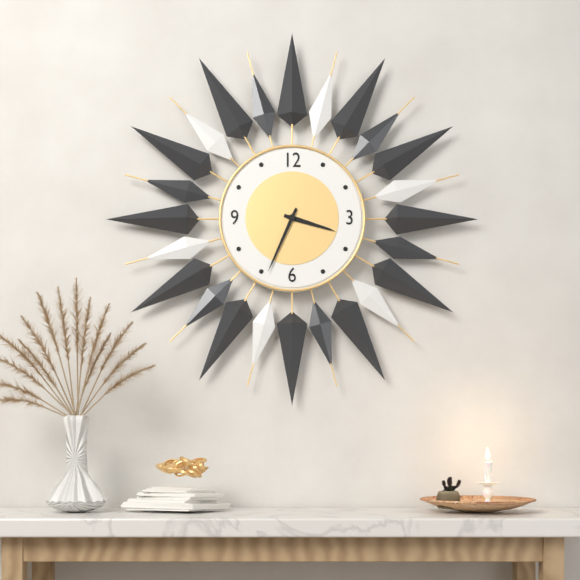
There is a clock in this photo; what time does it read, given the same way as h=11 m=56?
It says h=3 m=34
